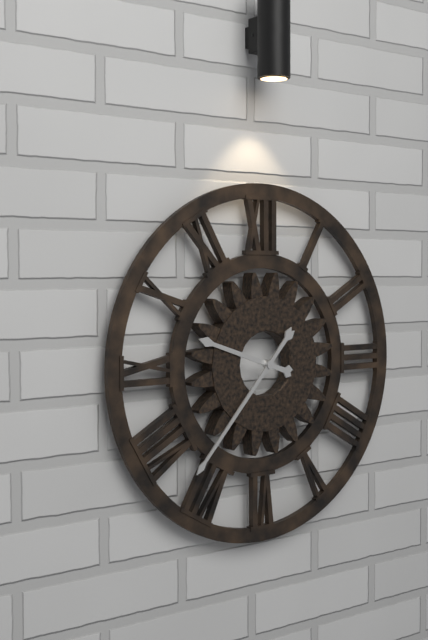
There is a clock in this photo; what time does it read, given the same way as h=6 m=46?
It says h=9 m=37
